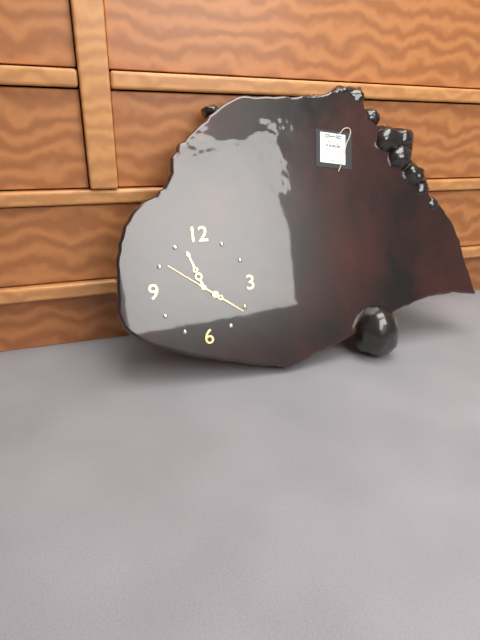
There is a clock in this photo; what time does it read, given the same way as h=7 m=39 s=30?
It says h=11 m=21 s=51
